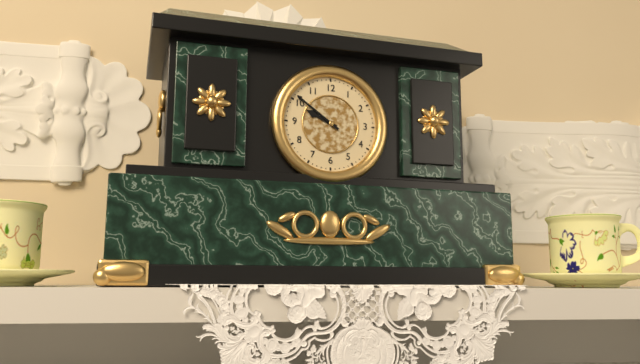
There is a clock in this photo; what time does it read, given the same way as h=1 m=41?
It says h=9 m=51
